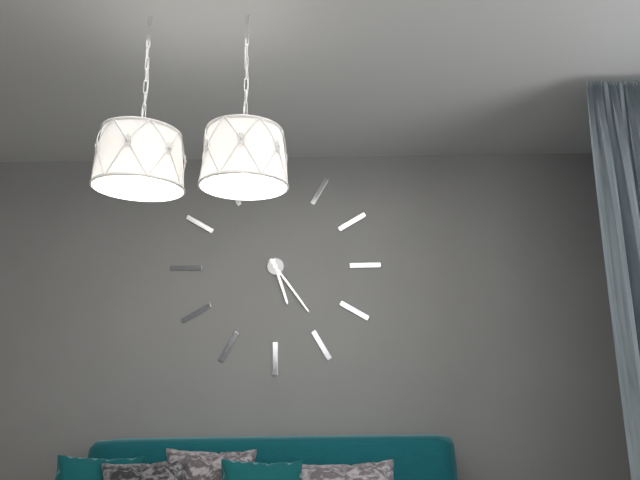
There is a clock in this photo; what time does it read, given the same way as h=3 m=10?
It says h=5 m=24
